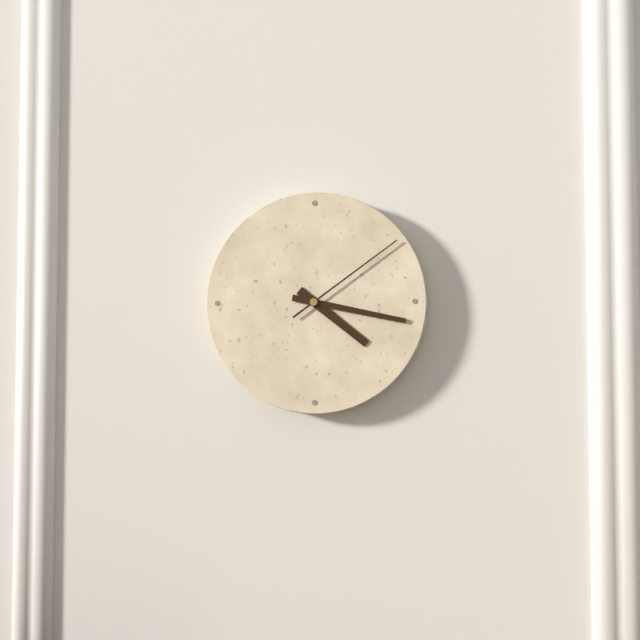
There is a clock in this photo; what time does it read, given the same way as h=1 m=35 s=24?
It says h=4 m=17 s=9
